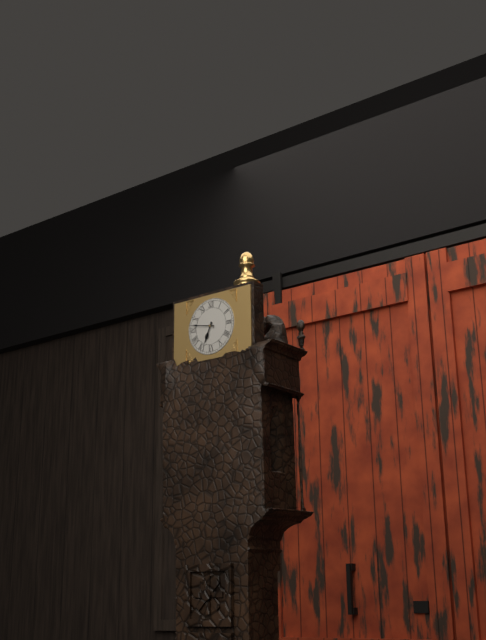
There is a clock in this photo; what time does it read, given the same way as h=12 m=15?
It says h=6 m=47
